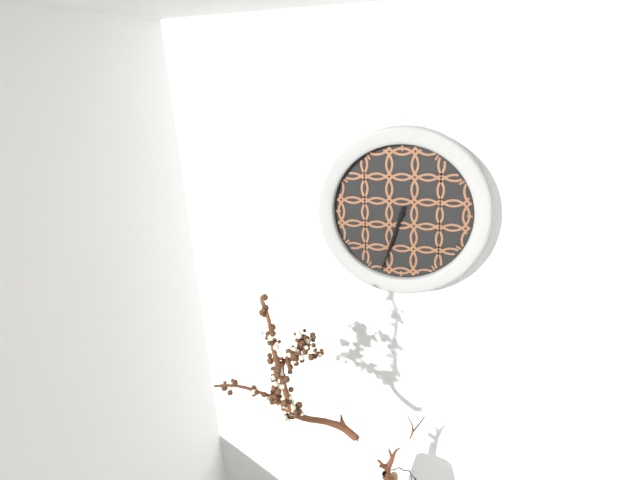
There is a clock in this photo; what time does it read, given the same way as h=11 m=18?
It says h=6 m=33
